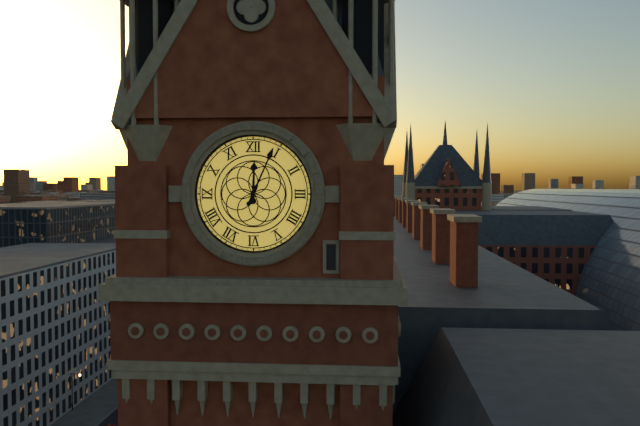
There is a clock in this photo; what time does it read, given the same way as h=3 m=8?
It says h=12 m=4
